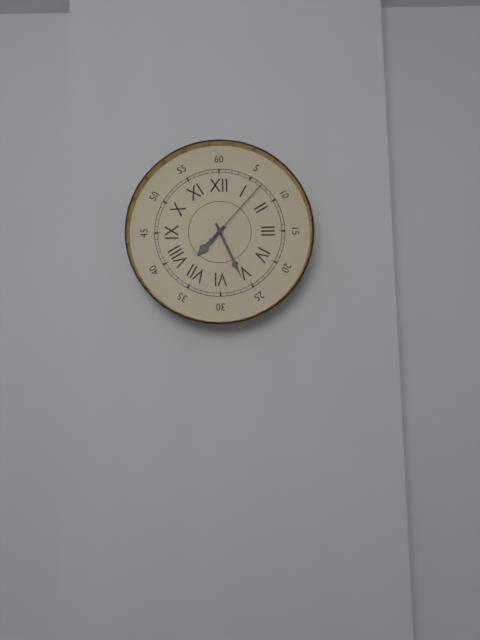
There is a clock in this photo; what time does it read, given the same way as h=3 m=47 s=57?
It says h=7 m=26 s=7
